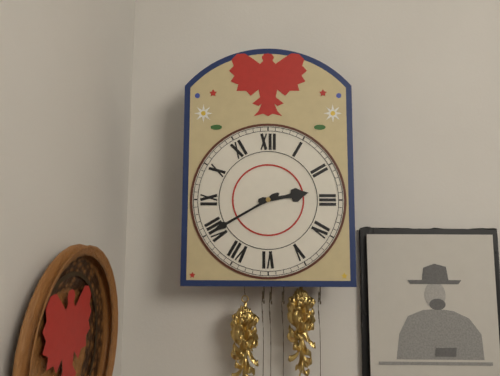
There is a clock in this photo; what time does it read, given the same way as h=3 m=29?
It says h=2 m=40
